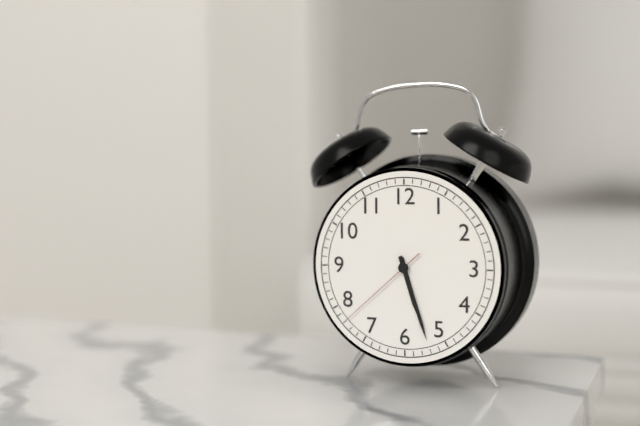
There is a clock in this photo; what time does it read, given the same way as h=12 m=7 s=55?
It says h=5 m=27 s=38
